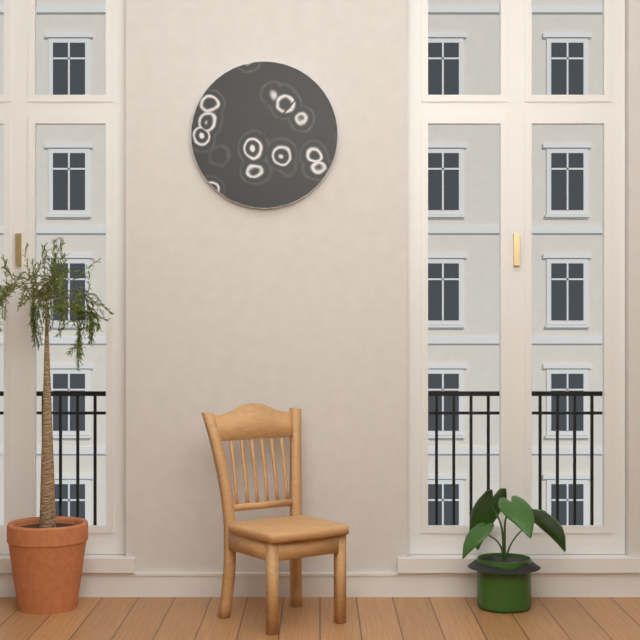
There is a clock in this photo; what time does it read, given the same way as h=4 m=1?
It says h=12 m=7
